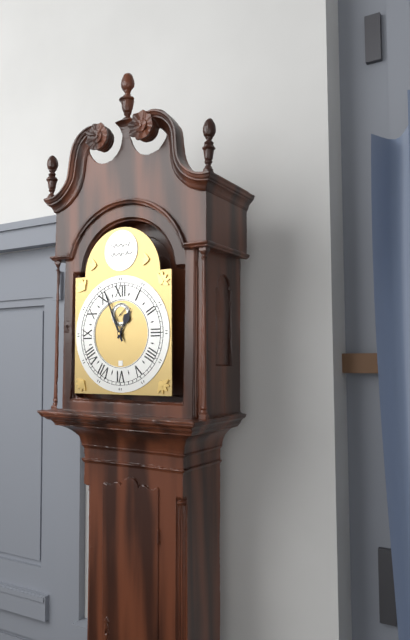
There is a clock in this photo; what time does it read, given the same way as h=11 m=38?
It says h=12 m=56
